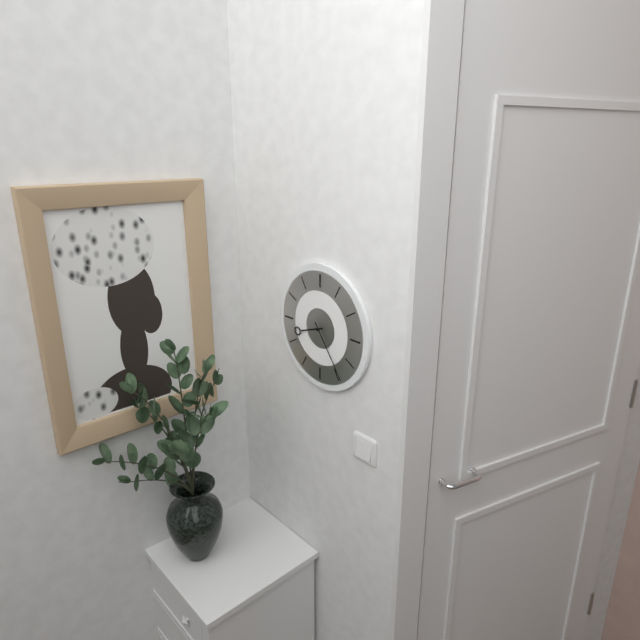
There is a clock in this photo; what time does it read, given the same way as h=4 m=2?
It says h=8 m=24
